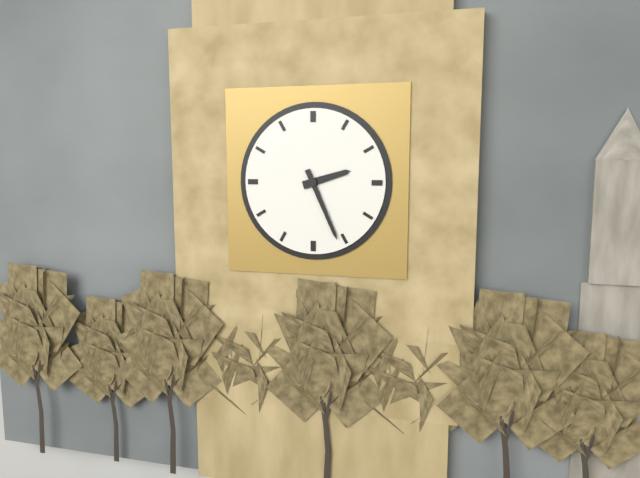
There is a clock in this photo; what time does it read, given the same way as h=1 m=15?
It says h=2 m=26
